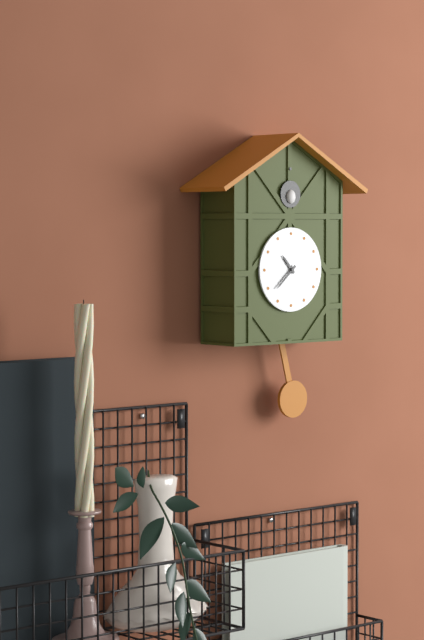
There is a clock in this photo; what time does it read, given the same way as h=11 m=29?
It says h=10 m=38
